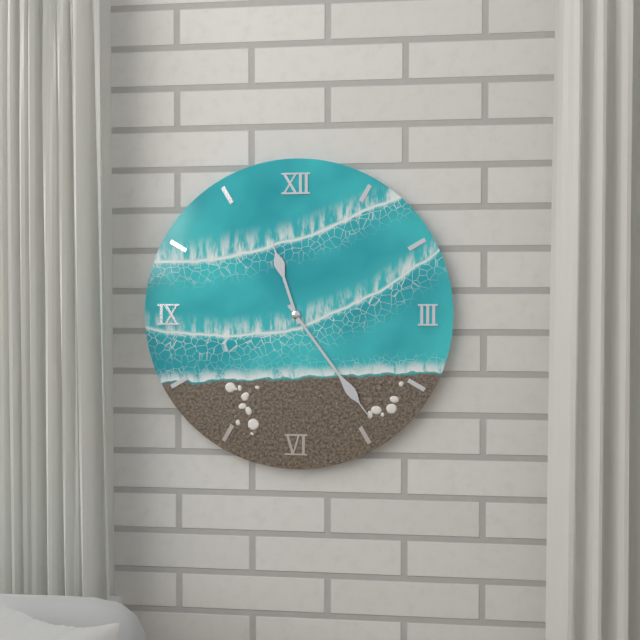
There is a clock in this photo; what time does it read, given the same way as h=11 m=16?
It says h=11 m=24
